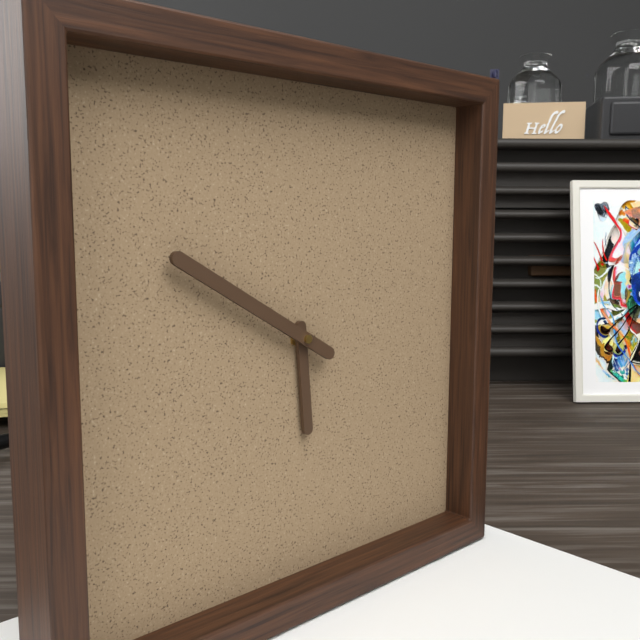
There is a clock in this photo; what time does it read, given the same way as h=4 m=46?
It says h=5 m=50
